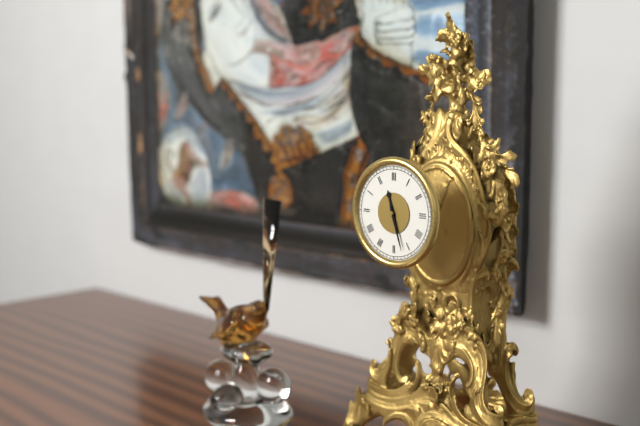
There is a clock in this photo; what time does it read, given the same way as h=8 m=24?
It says h=11 m=27
